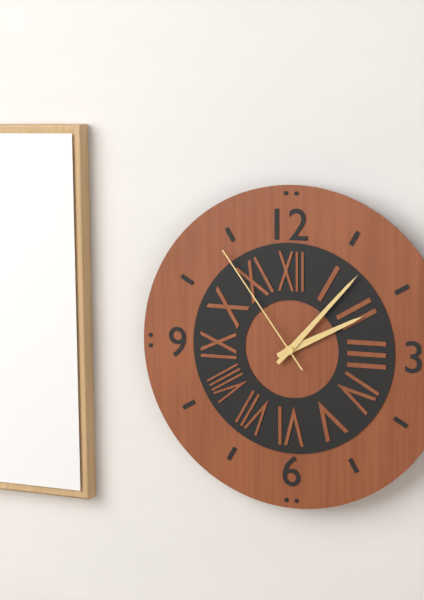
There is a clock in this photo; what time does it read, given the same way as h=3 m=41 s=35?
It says h=2 m=7 s=54
